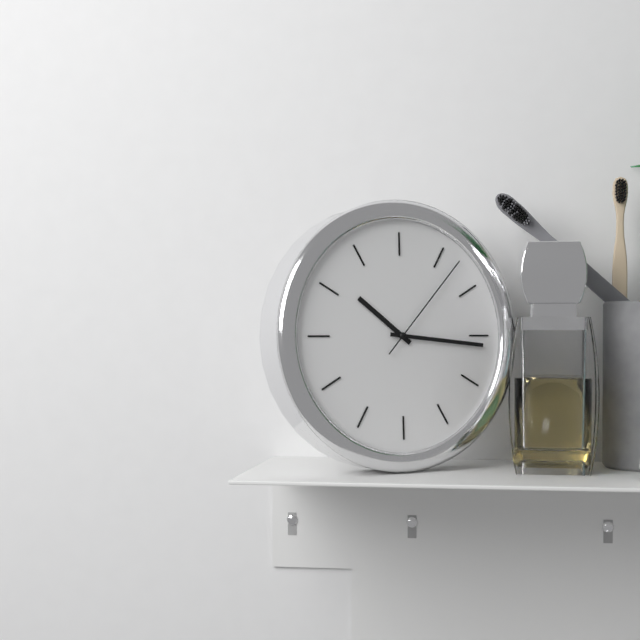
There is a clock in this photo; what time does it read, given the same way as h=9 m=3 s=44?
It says h=10 m=16 s=7
